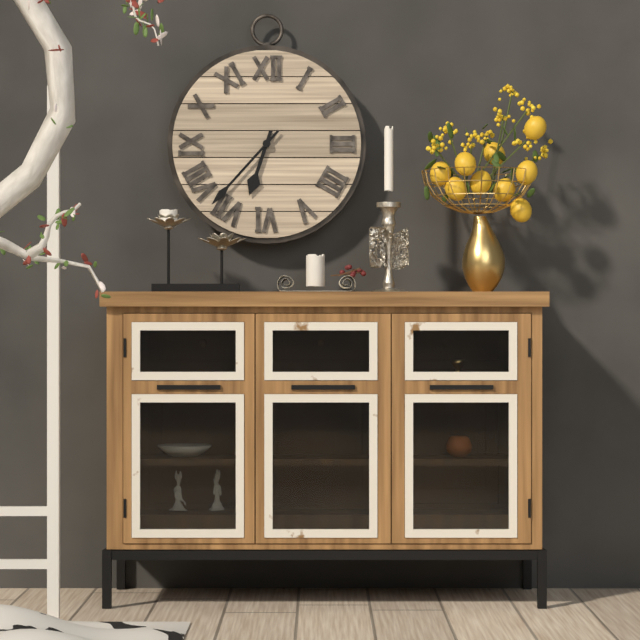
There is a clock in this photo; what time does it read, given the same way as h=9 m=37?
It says h=6 m=37
